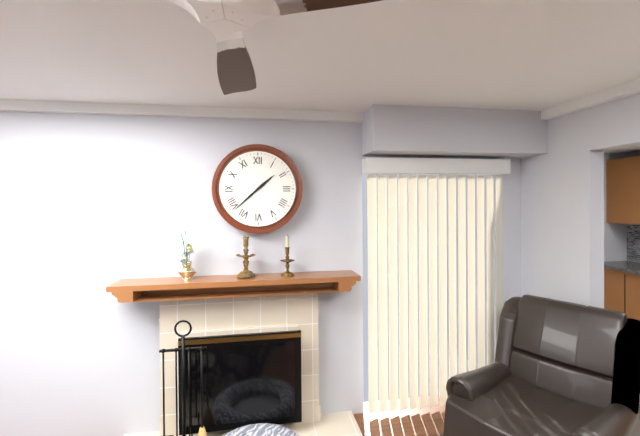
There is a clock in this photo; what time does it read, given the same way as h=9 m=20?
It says h=1 m=38
